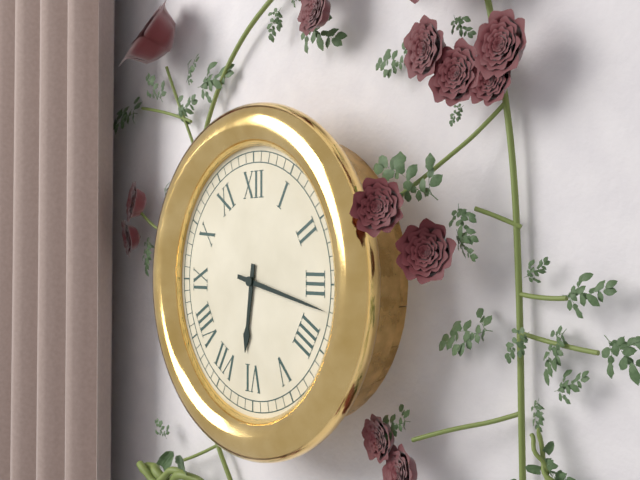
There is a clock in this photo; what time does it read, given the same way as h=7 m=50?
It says h=6 m=17
